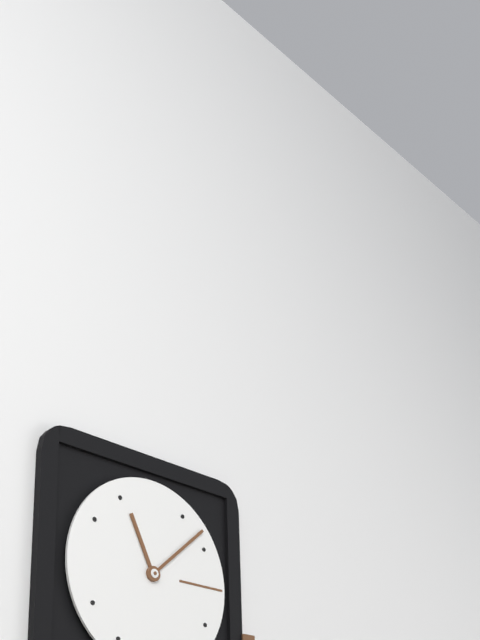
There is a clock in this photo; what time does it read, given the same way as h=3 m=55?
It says h=11 m=8
